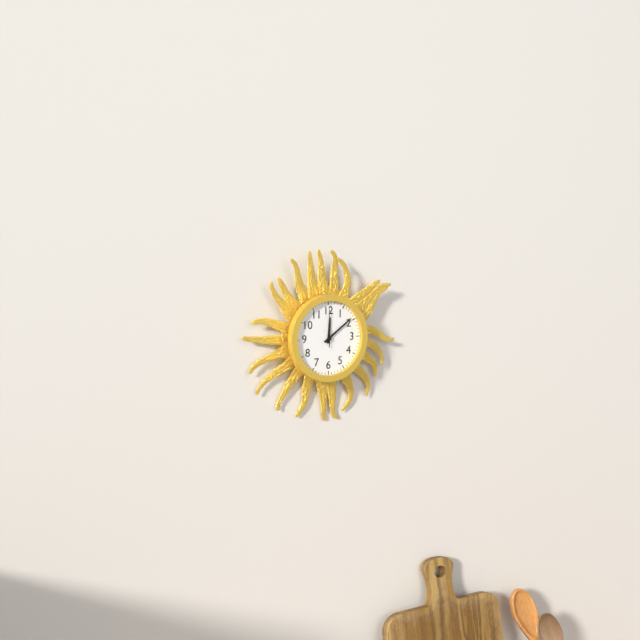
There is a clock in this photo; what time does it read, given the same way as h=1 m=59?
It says h=12 m=9
